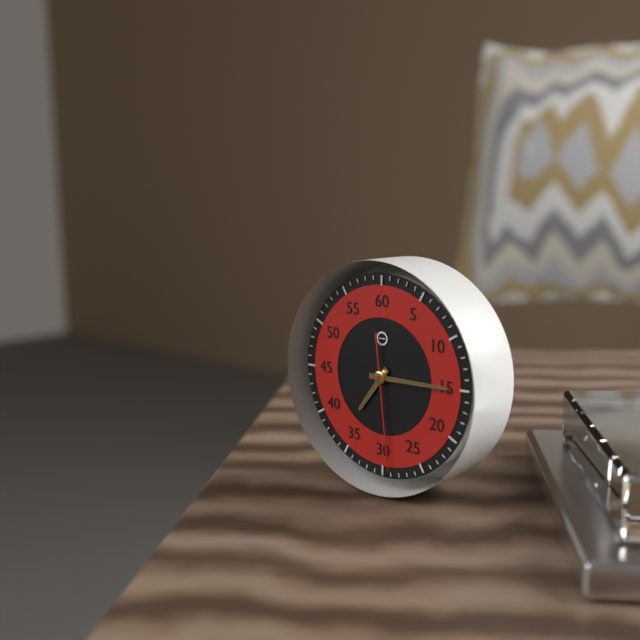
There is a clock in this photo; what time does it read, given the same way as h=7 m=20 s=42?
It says h=7 m=15 s=29
